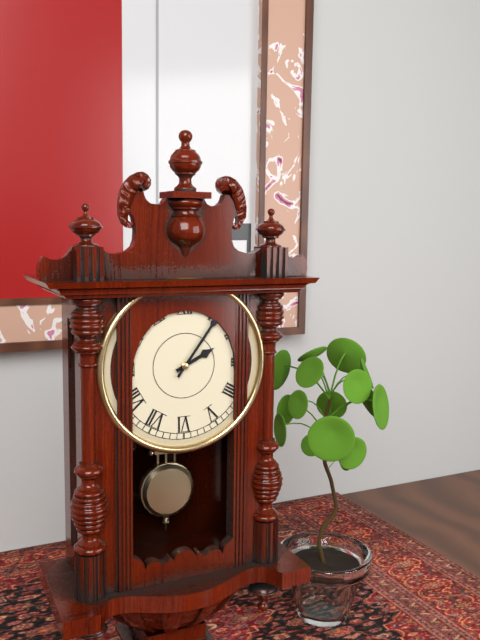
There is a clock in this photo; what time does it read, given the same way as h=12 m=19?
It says h=2 m=6
